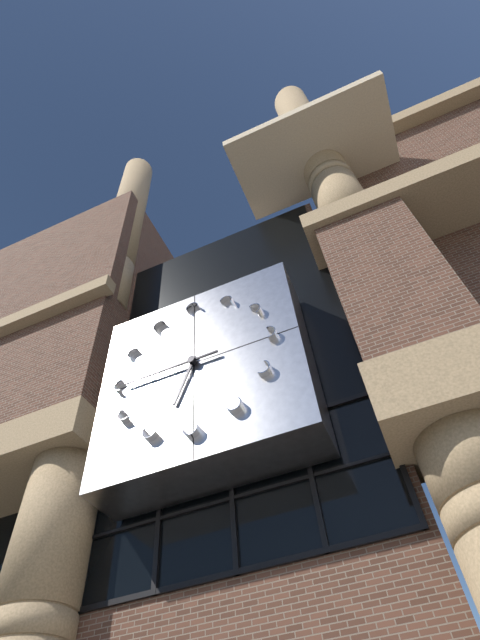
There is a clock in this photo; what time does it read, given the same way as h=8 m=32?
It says h=6 m=45
